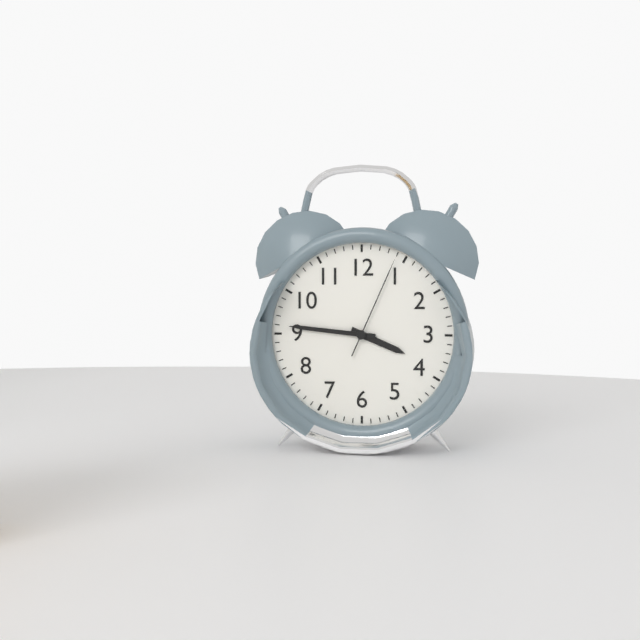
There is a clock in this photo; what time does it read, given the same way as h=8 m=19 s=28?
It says h=3 m=46 s=4
